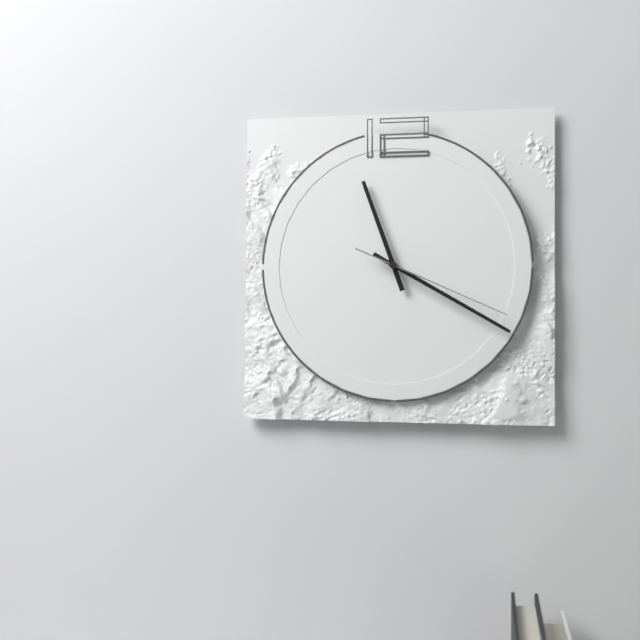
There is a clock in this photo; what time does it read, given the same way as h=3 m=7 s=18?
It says h=11 m=20 s=19
